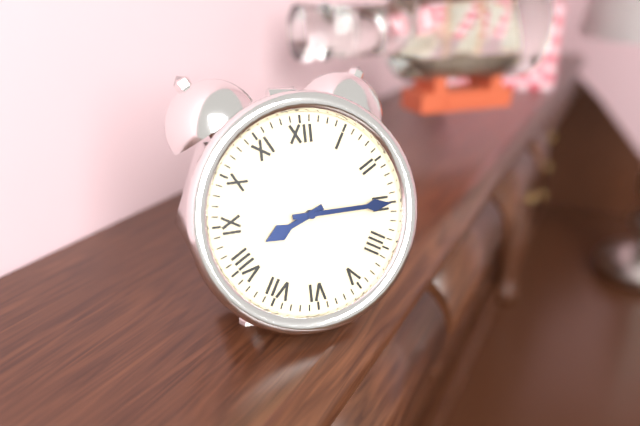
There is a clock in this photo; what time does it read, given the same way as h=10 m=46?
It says h=8 m=15
